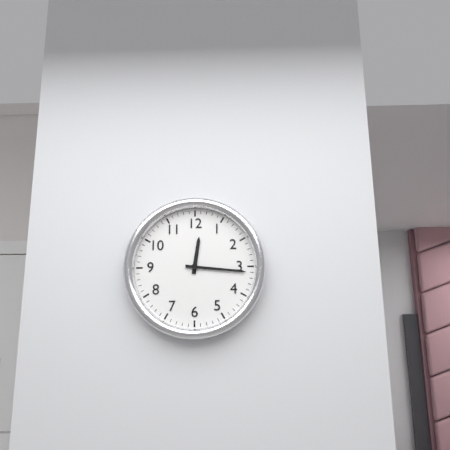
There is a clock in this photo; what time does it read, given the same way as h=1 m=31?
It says h=12 m=16
